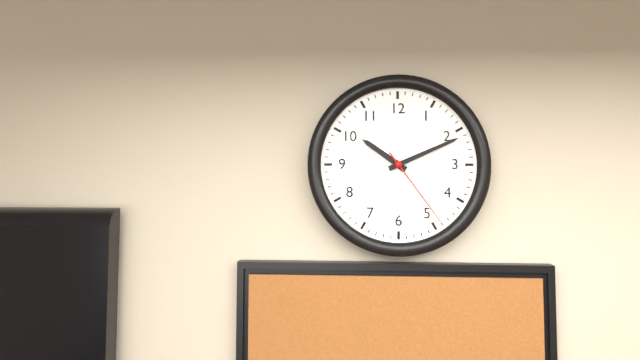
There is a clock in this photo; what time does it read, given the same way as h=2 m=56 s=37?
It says h=10 m=11 s=24
